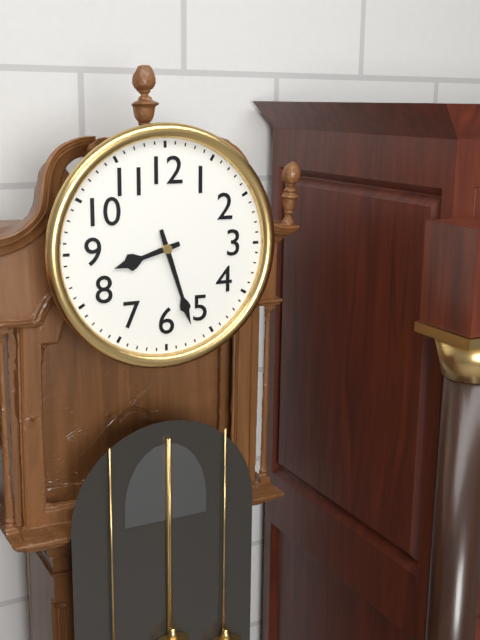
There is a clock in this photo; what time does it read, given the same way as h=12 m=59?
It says h=8 m=27
